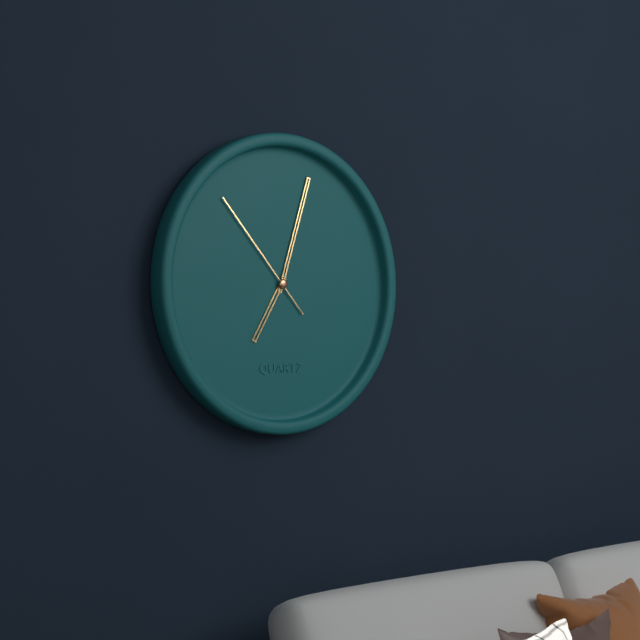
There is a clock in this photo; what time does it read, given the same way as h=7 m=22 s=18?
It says h=7 m=3 s=53
